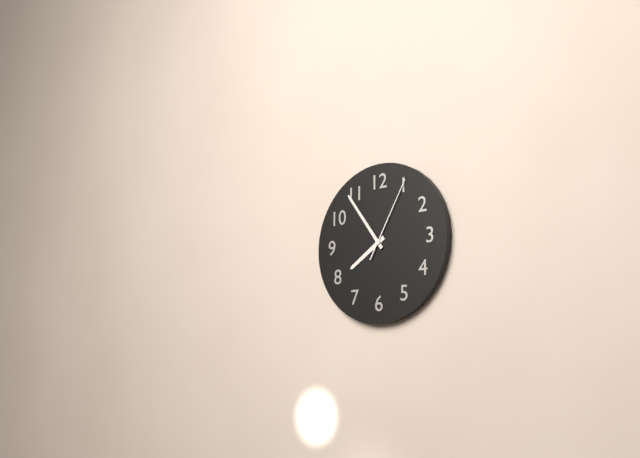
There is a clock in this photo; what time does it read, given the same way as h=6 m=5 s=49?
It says h=7 m=54 s=5
